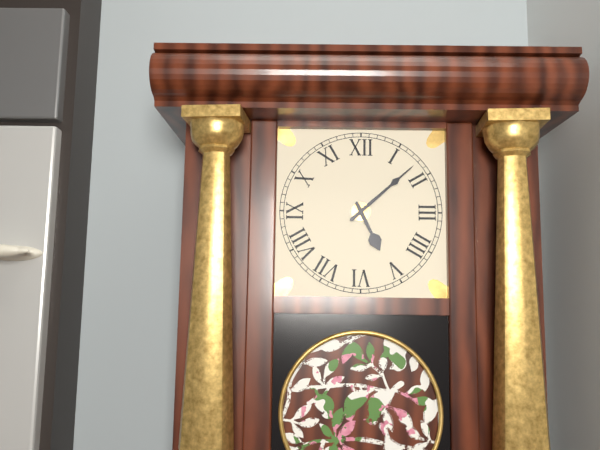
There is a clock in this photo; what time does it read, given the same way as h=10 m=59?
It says h=5 m=8
